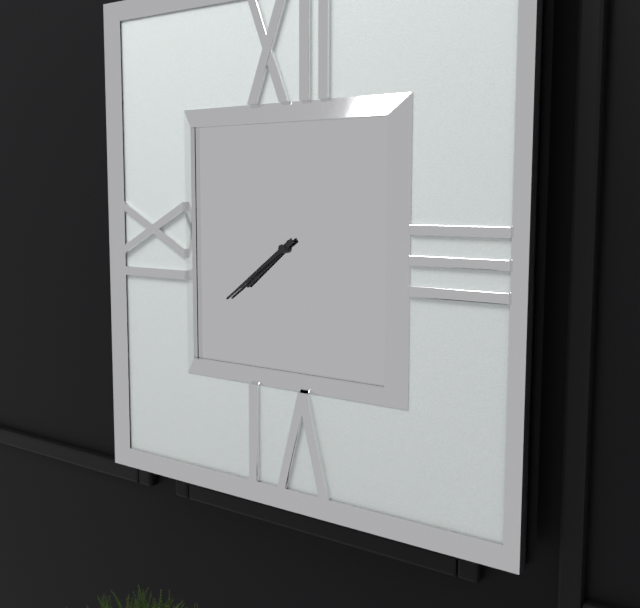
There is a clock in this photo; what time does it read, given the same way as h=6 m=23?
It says h=7 m=39
